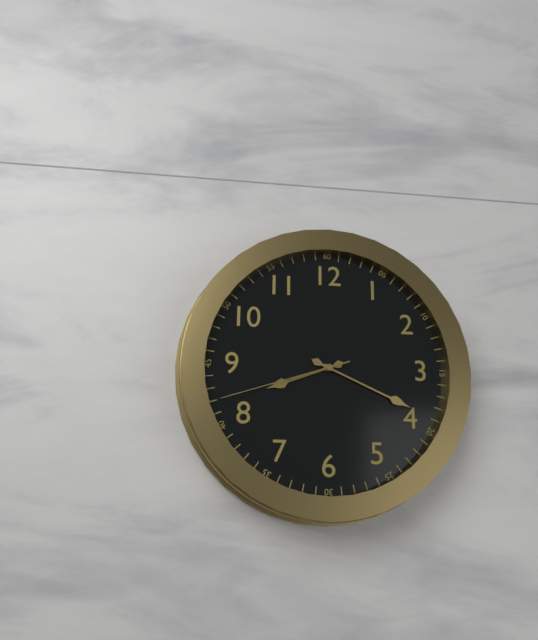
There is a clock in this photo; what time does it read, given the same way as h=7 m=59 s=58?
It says h=8 m=19 s=42
